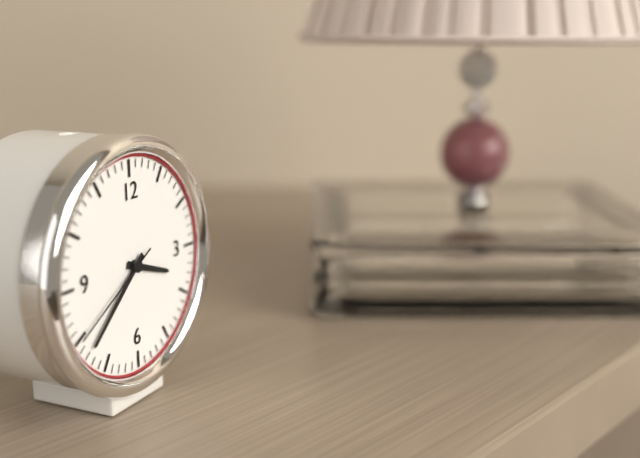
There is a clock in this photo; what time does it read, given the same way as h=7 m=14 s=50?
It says h=3 m=38 s=40
